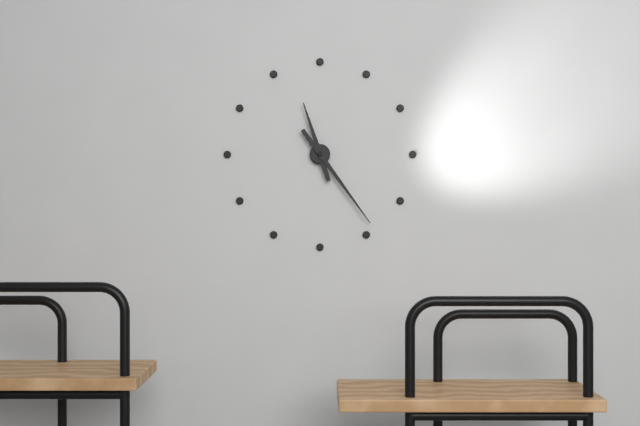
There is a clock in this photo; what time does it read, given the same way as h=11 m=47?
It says h=11 m=24
